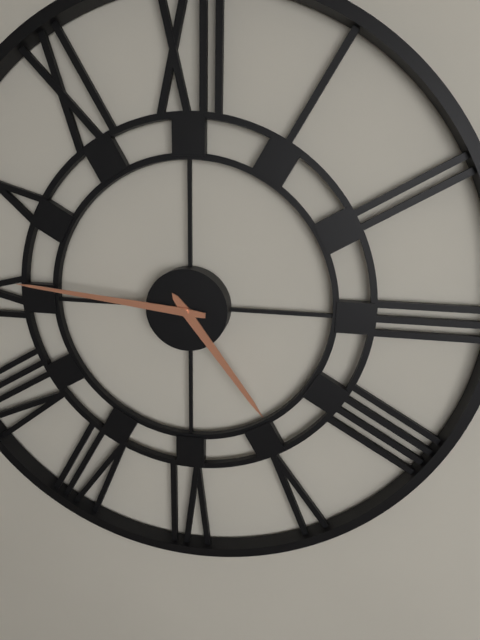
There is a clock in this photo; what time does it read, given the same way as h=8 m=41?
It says h=4 m=46
